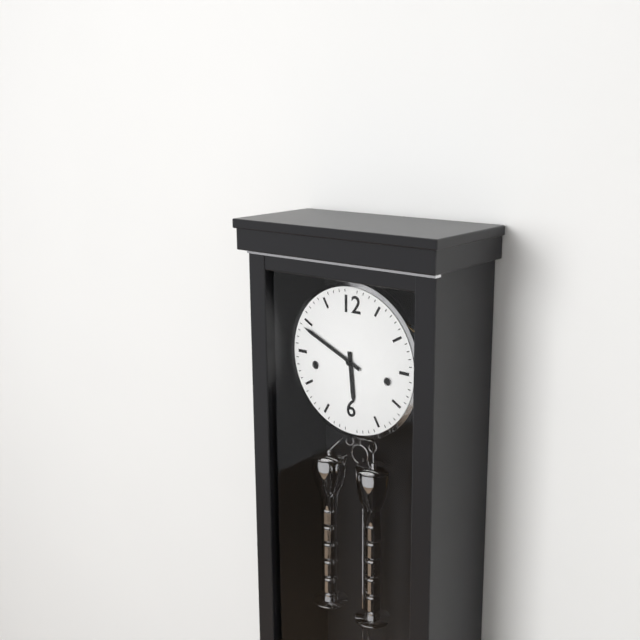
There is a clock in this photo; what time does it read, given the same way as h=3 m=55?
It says h=5 m=49
